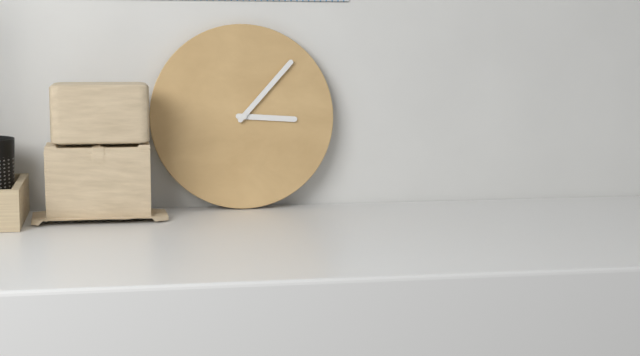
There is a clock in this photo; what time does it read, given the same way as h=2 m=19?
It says h=3 m=7
